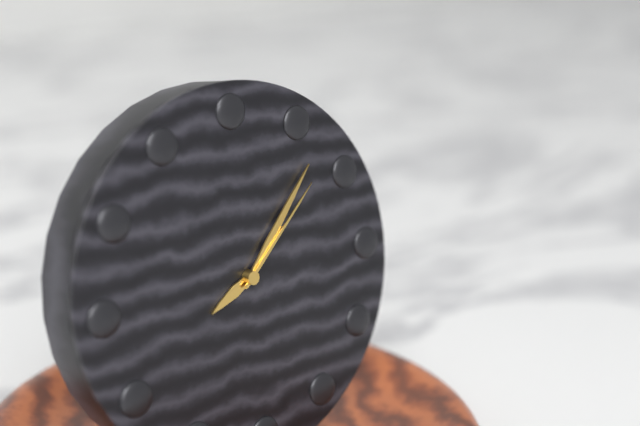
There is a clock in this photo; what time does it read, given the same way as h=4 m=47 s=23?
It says h=8 m=7 s=8
